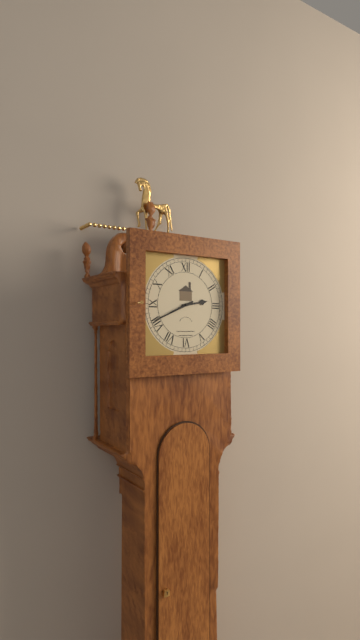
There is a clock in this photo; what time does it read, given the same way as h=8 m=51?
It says h=2 m=41
